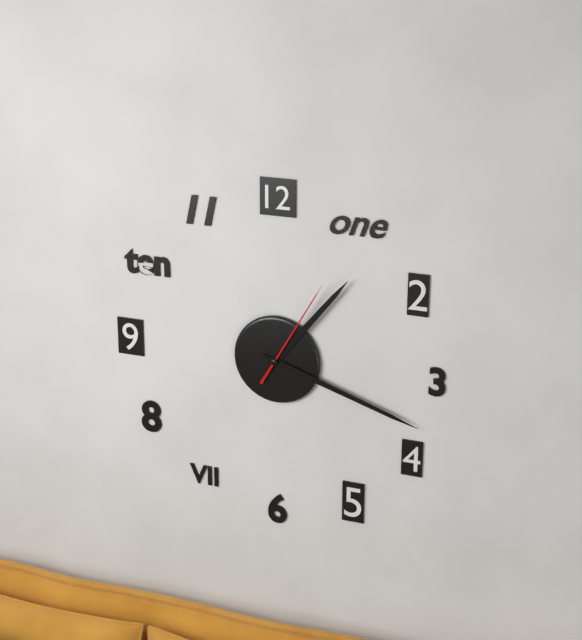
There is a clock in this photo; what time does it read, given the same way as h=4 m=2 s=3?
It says h=1 m=18 s=5
